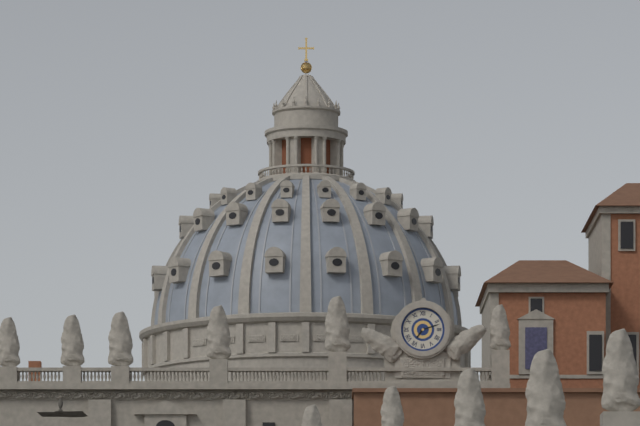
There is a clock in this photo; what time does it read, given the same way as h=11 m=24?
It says h=7 m=12
